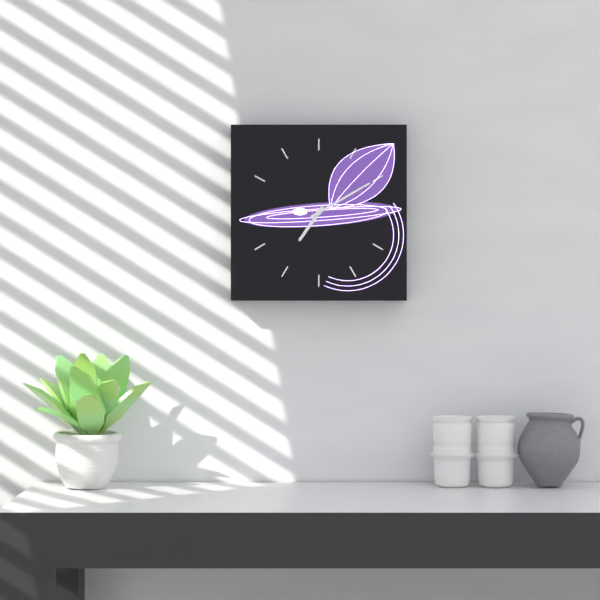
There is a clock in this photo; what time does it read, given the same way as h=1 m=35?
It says h=7 m=10
